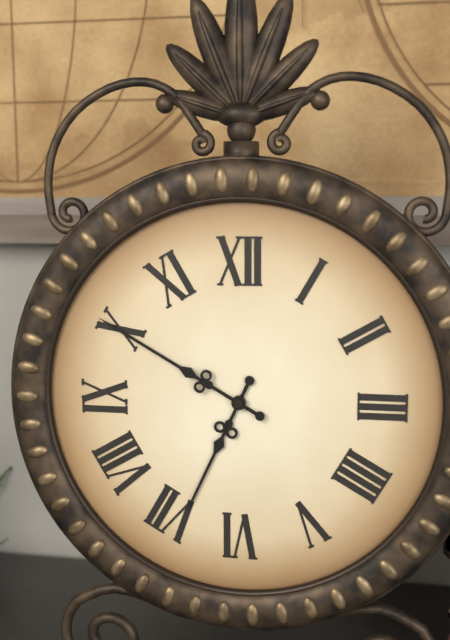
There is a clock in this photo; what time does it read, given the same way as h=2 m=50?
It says h=6 m=50
